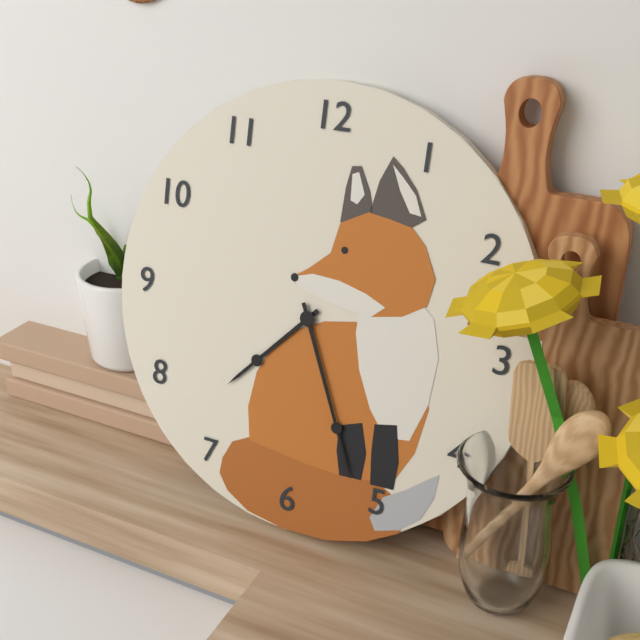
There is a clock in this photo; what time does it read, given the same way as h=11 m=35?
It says h=7 m=26
